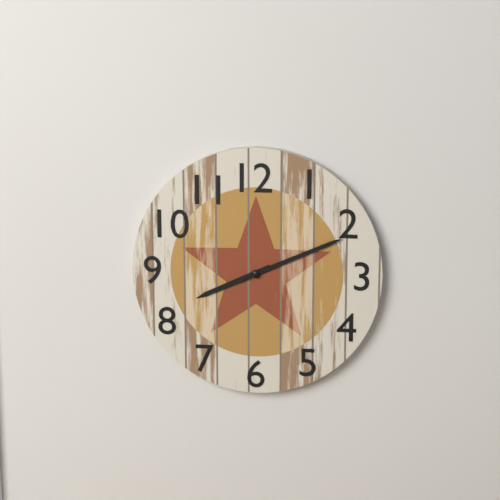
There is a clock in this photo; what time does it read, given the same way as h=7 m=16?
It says h=8 m=11
